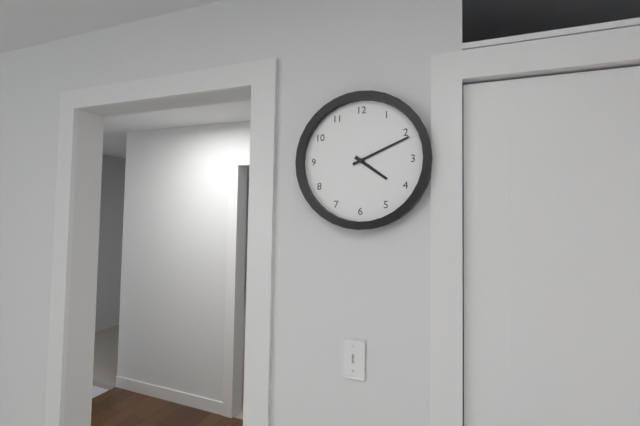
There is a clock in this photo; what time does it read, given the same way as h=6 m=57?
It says h=4 m=11
